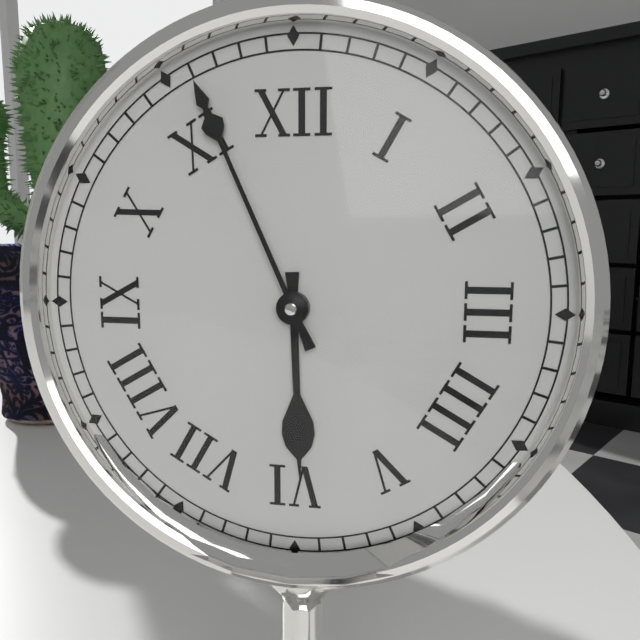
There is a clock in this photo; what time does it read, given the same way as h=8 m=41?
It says h=5 m=56
